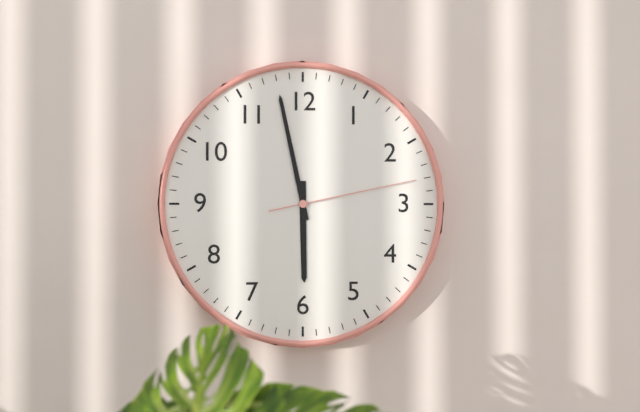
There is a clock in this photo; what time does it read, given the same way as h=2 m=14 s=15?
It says h=5 m=58 s=13
